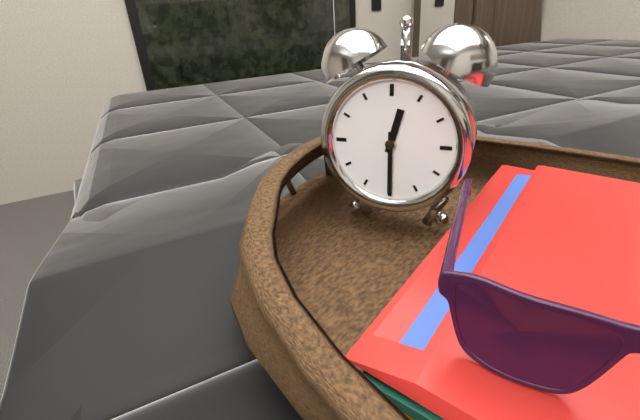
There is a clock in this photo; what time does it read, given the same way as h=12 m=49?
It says h=12 m=30
